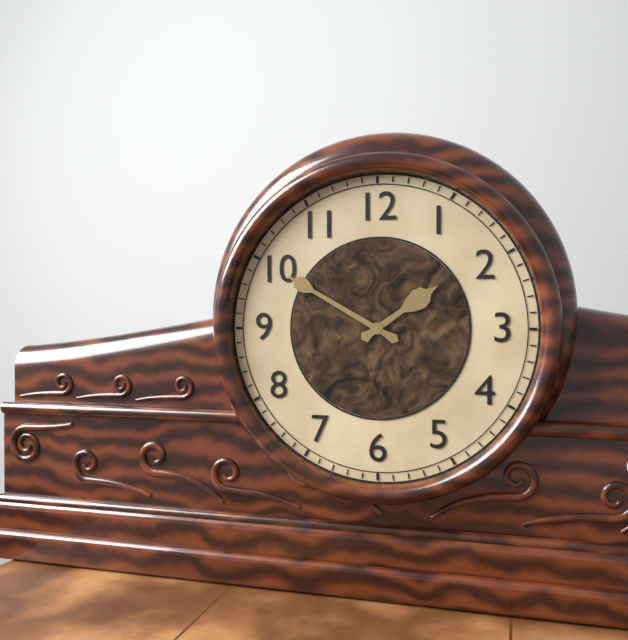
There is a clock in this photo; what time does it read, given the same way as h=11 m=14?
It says h=1 m=50
